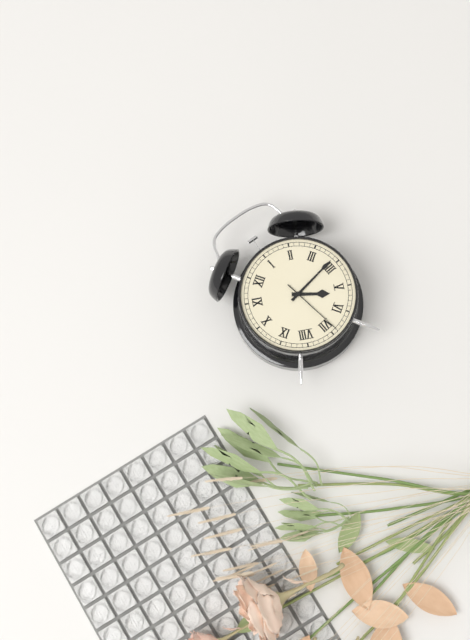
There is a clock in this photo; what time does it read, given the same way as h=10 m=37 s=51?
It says h=5 m=19 s=34
